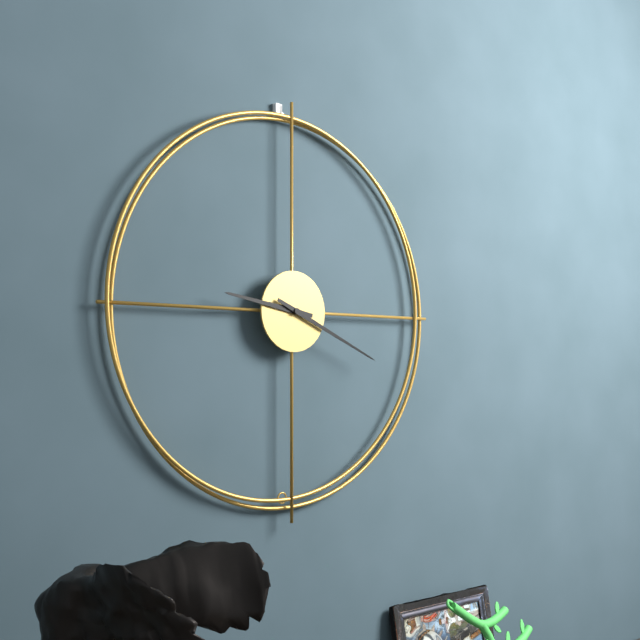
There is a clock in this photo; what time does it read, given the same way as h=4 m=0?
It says h=9 m=19
